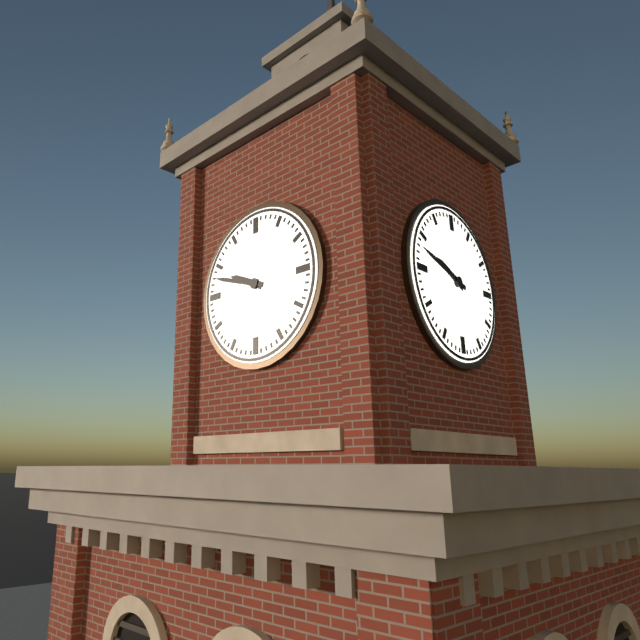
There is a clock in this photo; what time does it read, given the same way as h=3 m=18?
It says h=9 m=48
